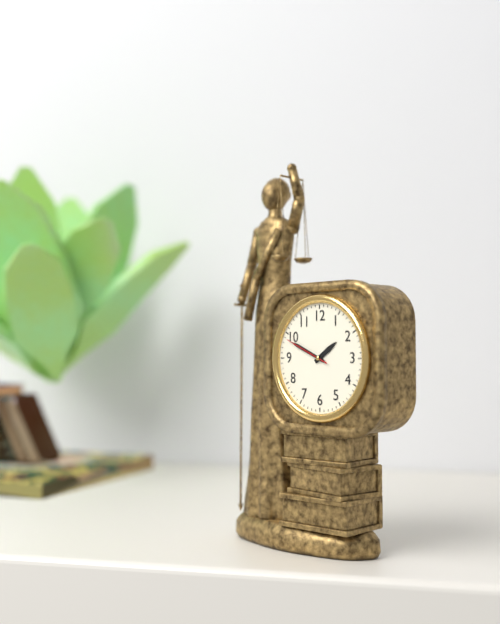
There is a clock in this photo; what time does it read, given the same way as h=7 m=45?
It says h=1 m=49
